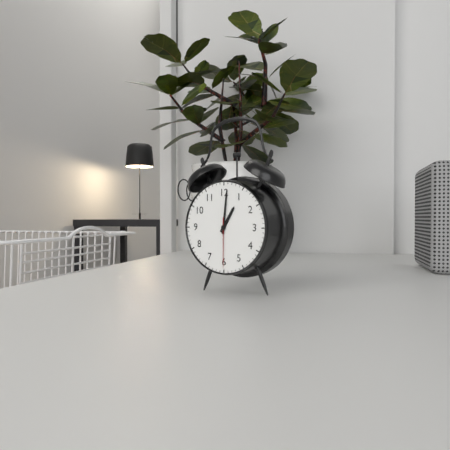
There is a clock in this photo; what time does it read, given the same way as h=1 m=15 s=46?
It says h=1 m=1 s=30
